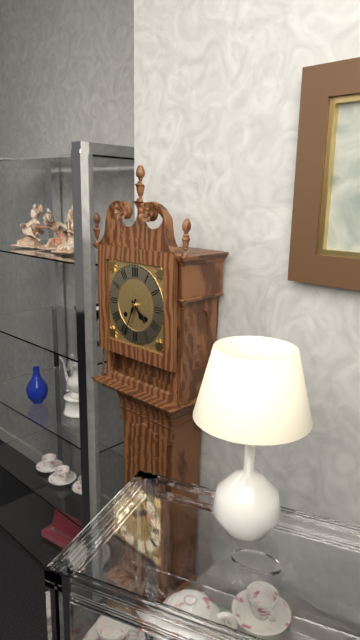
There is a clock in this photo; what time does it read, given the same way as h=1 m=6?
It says h=4 m=34
